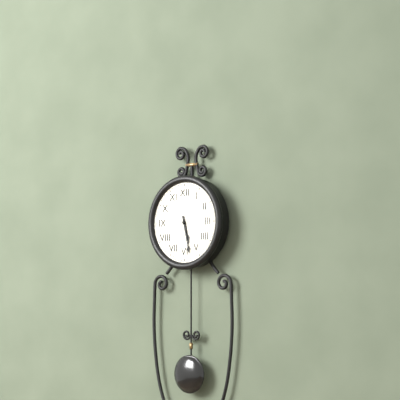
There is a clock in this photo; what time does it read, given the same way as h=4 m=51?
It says h=5 m=28
